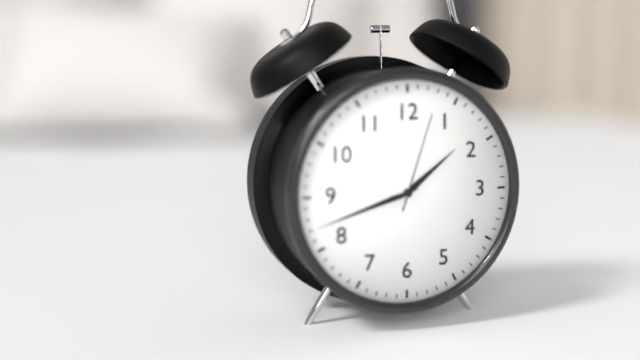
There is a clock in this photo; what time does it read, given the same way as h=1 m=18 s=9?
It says h=1 m=42 s=3
